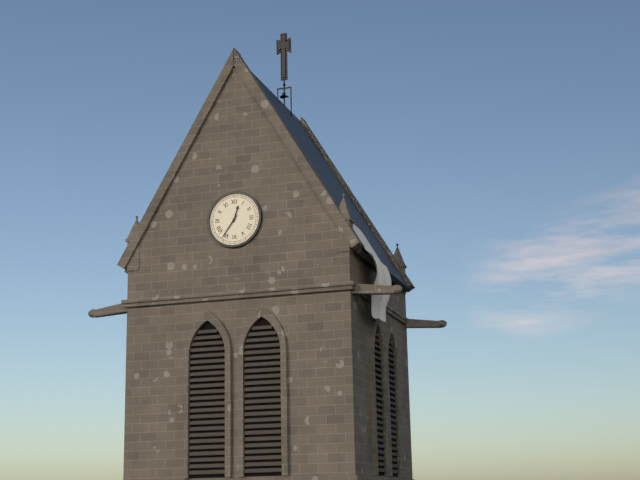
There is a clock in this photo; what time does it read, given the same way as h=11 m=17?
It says h=12 m=36
